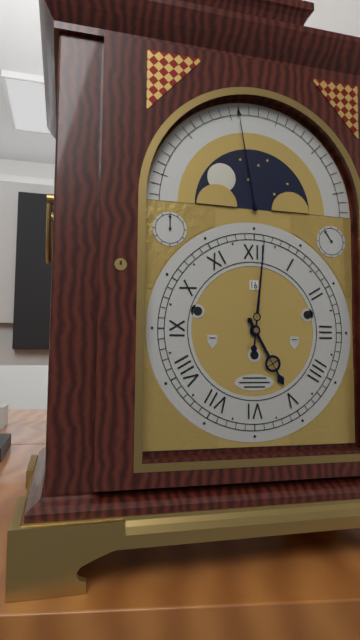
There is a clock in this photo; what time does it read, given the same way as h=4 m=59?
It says h=5 m=1
